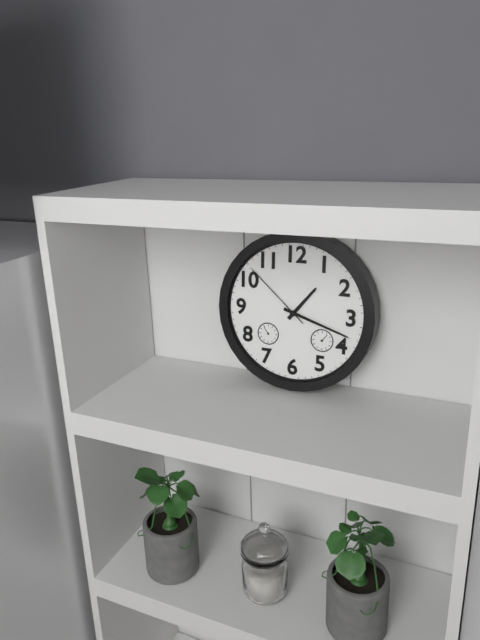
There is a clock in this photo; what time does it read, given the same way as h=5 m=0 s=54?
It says h=1 m=18 s=52
